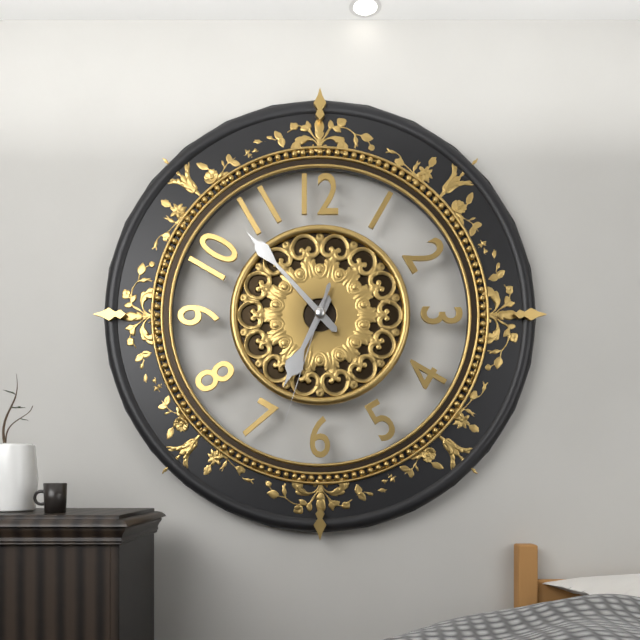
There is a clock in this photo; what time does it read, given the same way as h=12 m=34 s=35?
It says h=6 m=53 s=33
